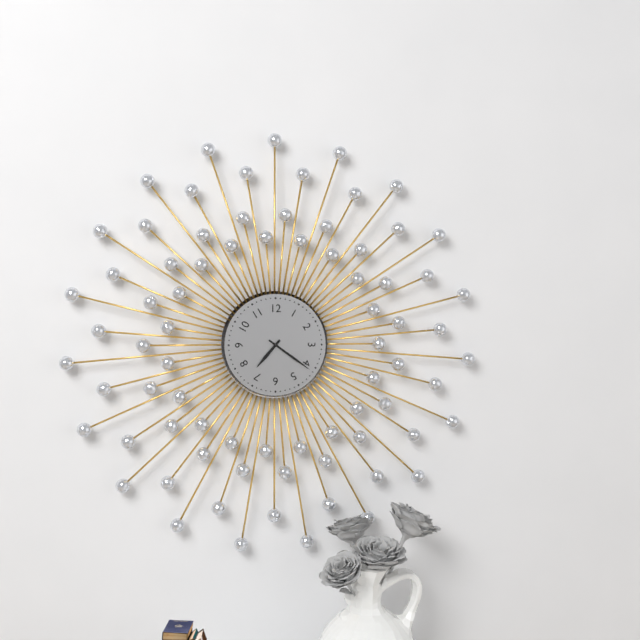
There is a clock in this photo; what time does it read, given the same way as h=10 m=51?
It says h=7 m=21
